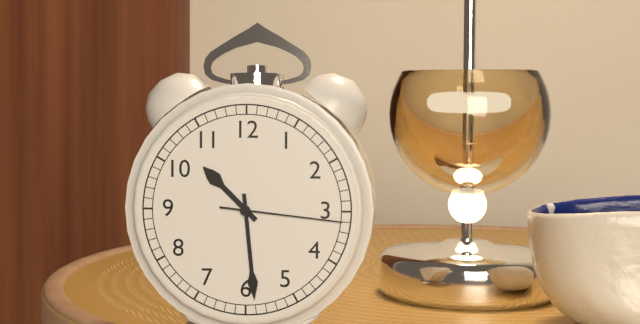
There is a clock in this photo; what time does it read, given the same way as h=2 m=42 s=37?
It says h=10 m=29 s=16
